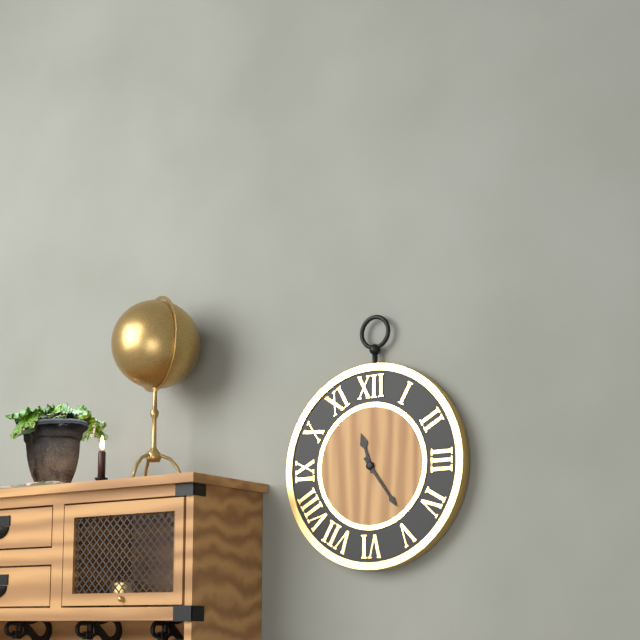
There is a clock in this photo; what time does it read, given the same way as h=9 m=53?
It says h=11 m=24
